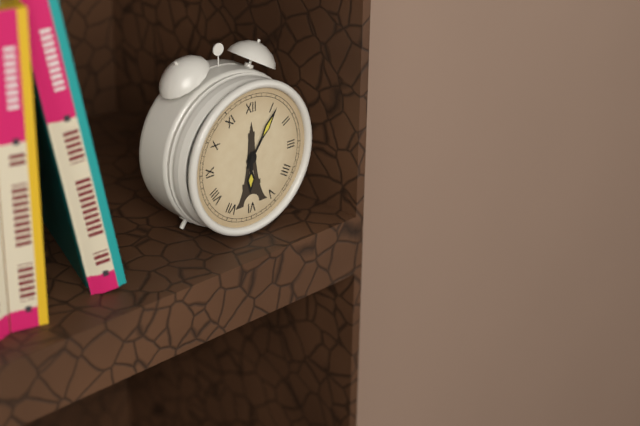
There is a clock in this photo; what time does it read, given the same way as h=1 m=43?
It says h=6 m=6
